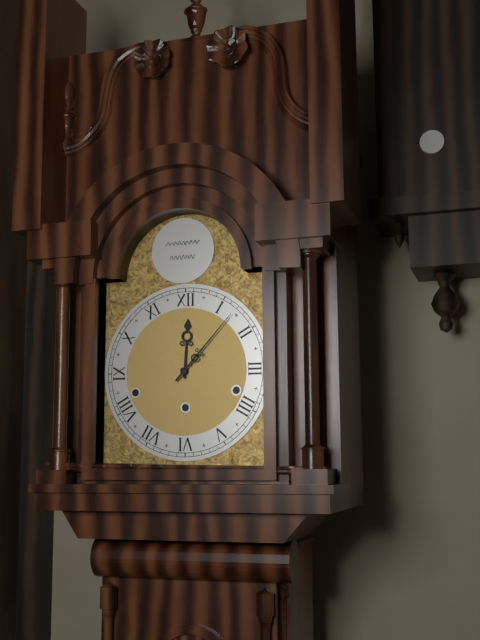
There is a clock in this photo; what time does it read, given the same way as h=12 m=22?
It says h=12 m=7
